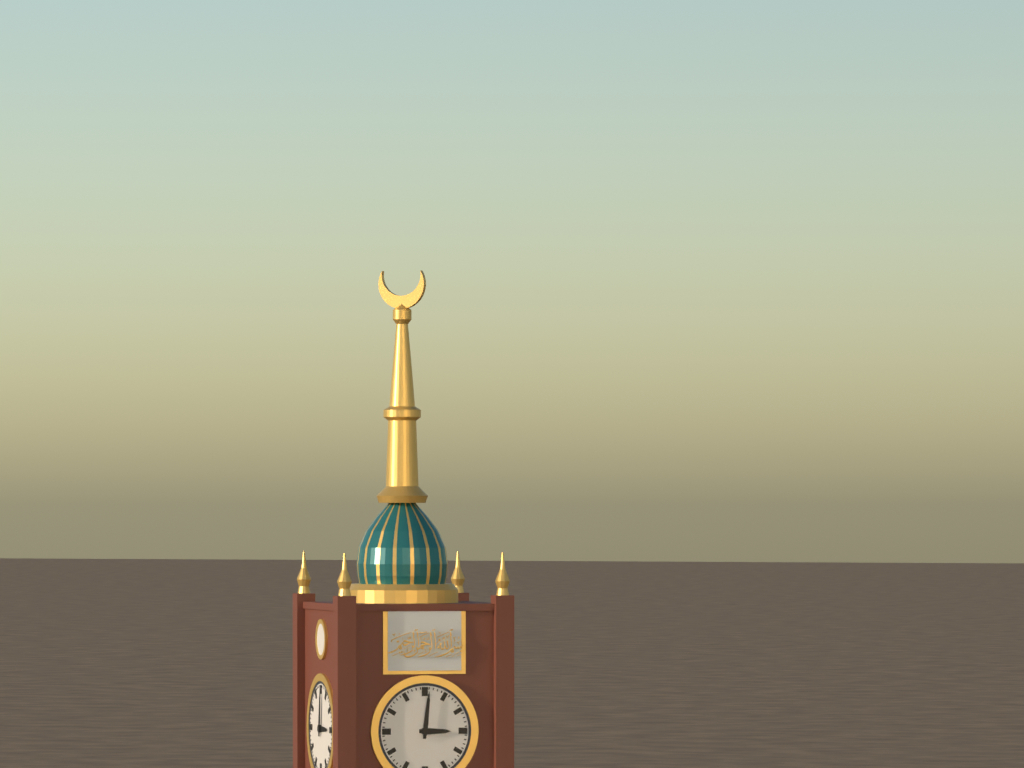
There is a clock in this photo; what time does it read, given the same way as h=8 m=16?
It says h=3 m=1
